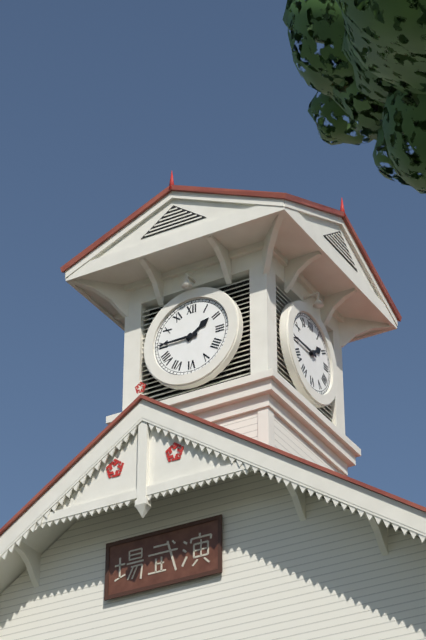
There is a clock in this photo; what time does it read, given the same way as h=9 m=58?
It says h=1 m=45
